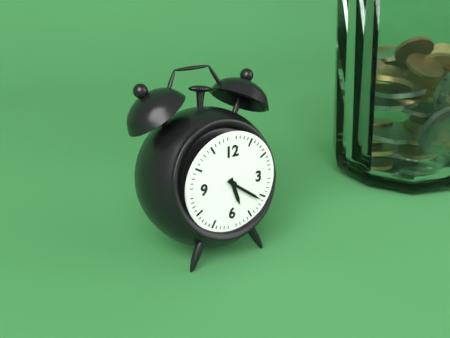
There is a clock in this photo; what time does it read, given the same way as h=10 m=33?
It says h=5 m=21
